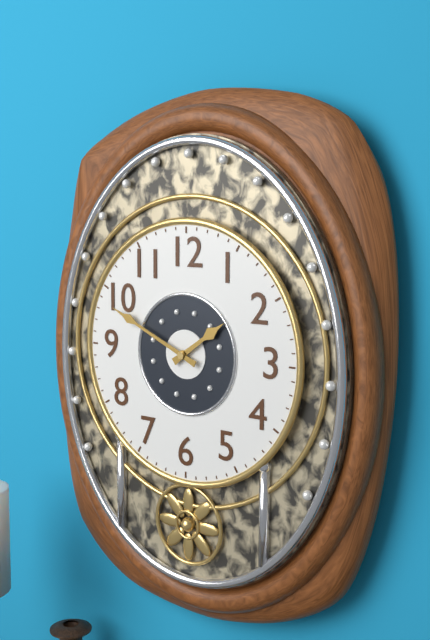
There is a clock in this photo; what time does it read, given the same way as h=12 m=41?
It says h=1 m=49
